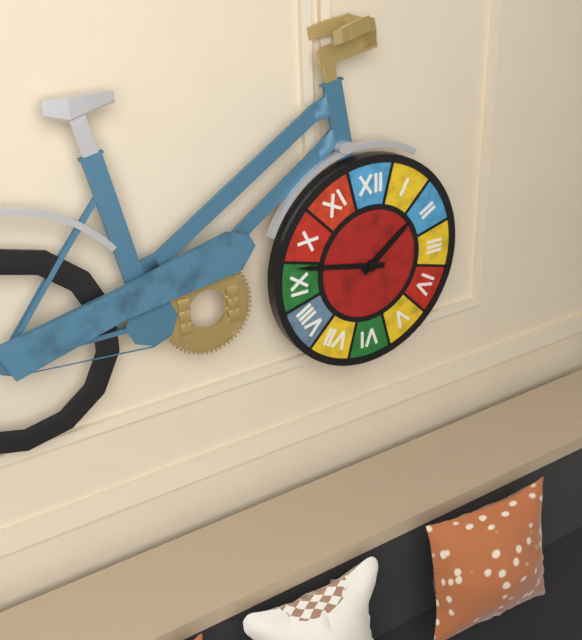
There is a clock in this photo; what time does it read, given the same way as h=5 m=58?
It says h=1 m=47
